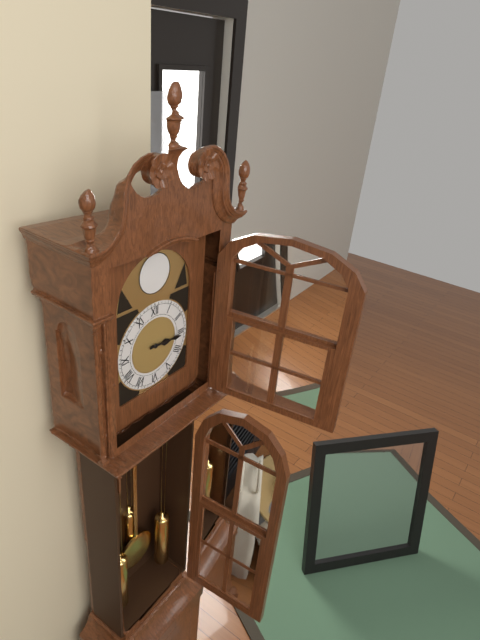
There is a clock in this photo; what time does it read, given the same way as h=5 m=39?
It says h=3 m=16
